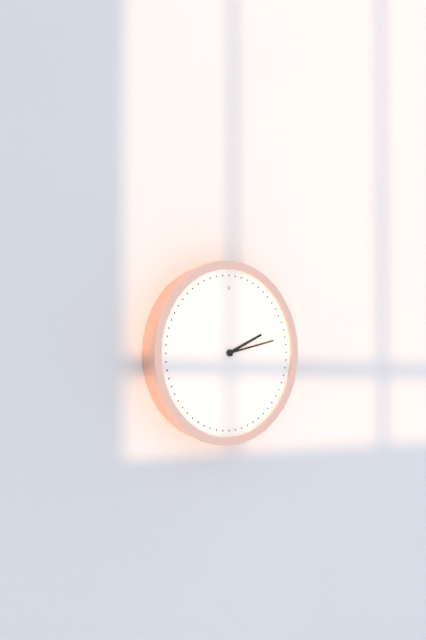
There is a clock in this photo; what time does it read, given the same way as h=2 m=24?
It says h=2 m=13
